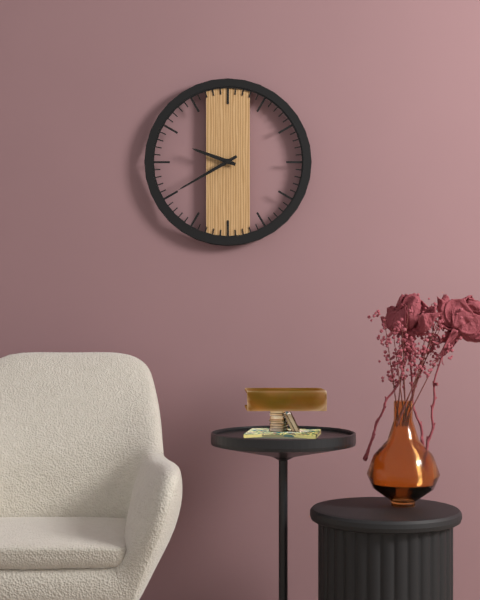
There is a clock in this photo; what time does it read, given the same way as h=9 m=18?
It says h=9 m=40
